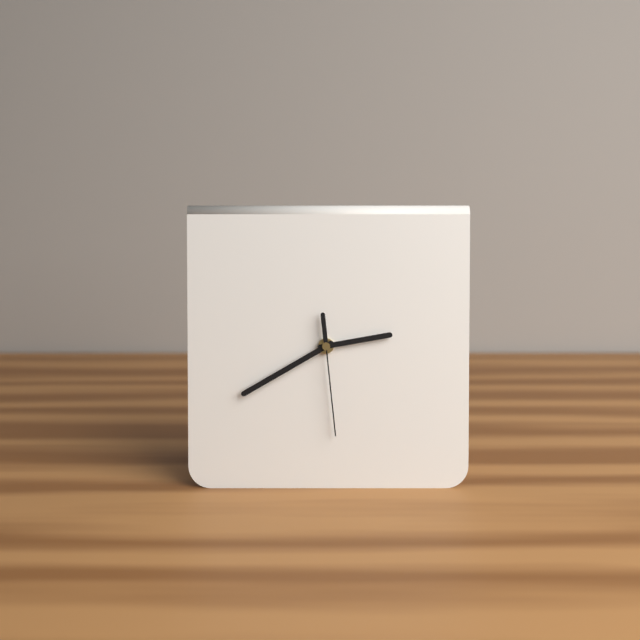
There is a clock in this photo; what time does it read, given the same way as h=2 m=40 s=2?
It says h=2 m=40 s=29
